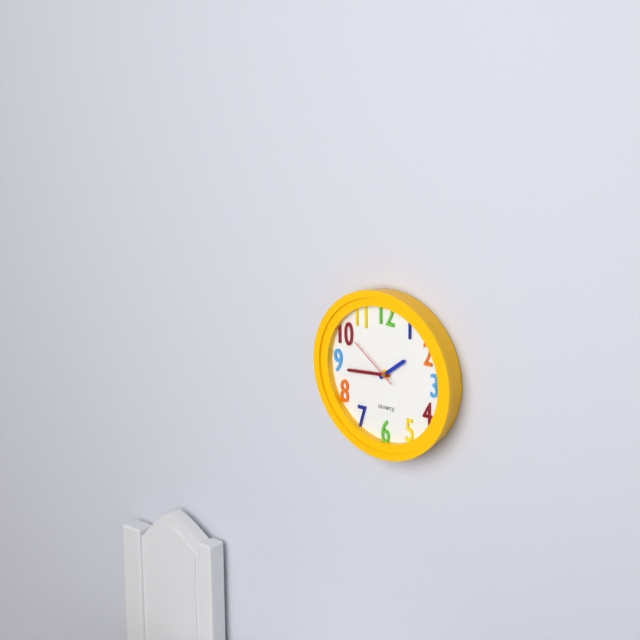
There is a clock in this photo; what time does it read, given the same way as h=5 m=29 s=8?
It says h=1 m=44 s=51
